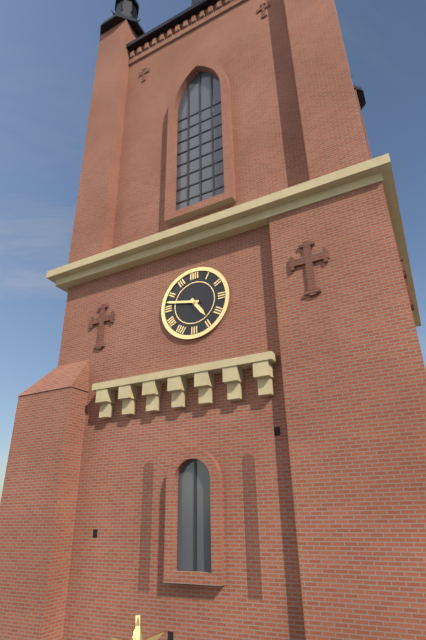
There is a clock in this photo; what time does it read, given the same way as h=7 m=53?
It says h=4 m=47
